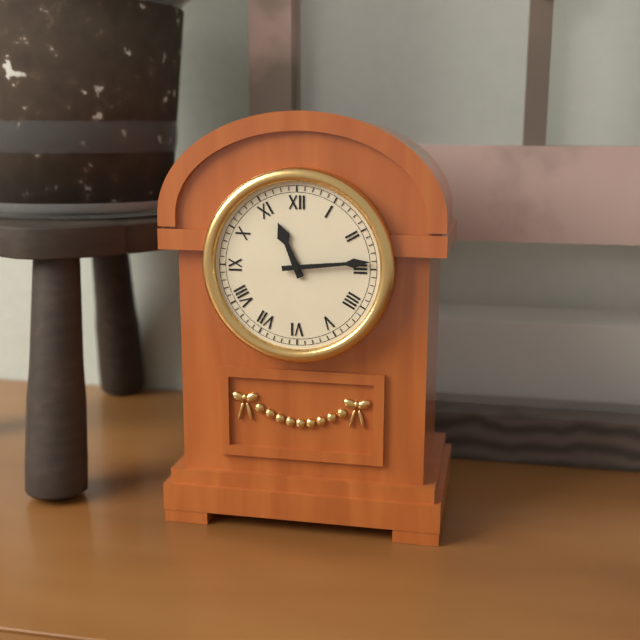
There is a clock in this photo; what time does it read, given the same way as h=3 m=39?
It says h=11 m=14
